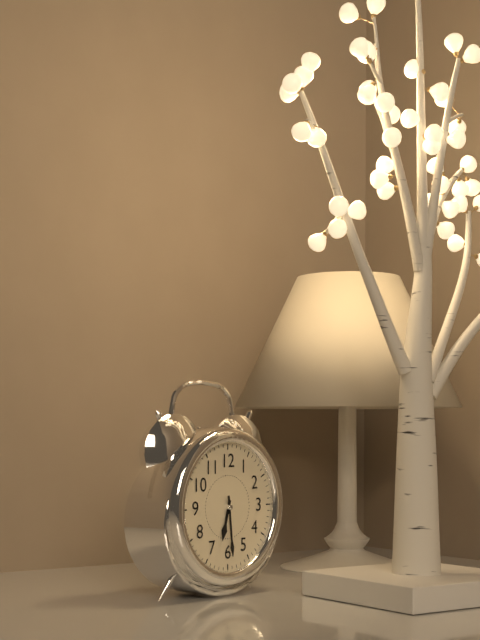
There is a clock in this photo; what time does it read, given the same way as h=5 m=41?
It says h=6 m=29
